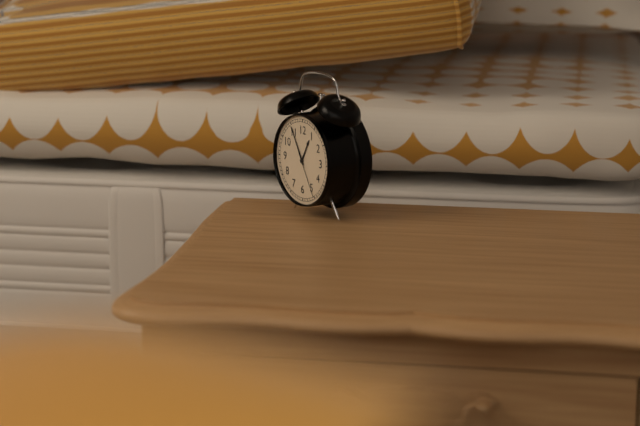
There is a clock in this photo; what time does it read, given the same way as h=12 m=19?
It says h=12 m=55
